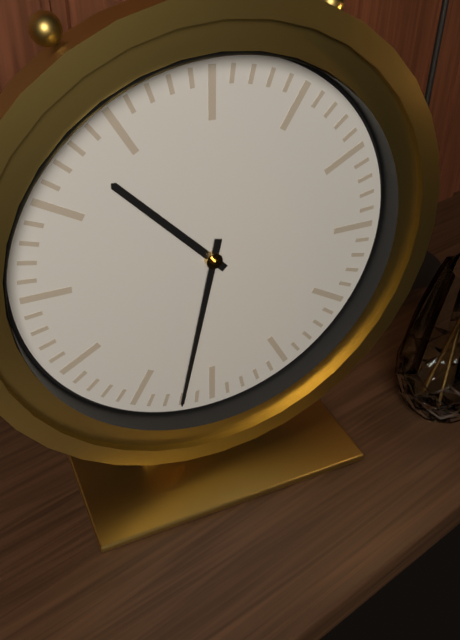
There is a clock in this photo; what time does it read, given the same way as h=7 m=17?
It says h=10 m=32
